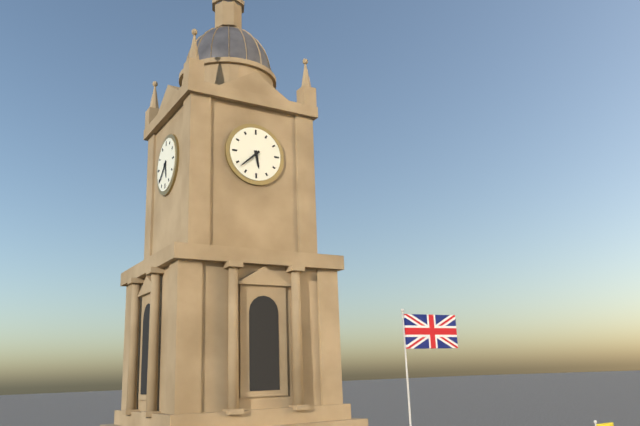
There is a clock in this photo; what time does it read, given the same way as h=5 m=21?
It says h=5 m=38
